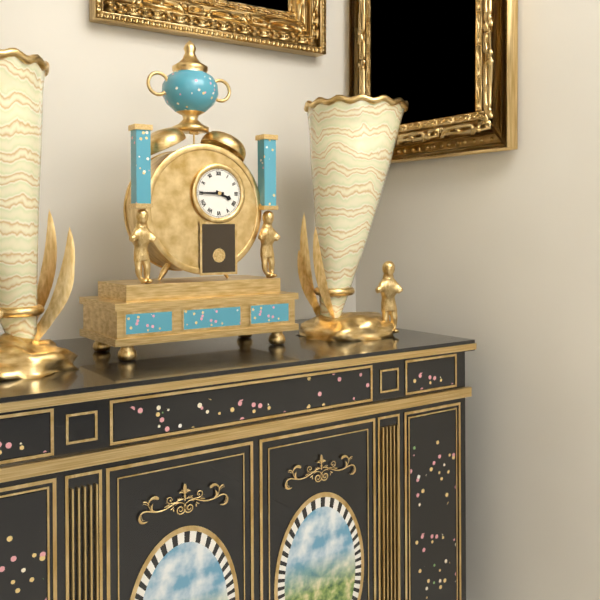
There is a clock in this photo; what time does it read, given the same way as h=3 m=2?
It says h=3 m=45
